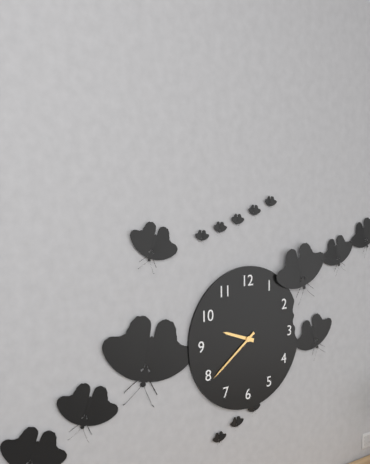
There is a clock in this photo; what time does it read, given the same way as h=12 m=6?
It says h=9 m=39
